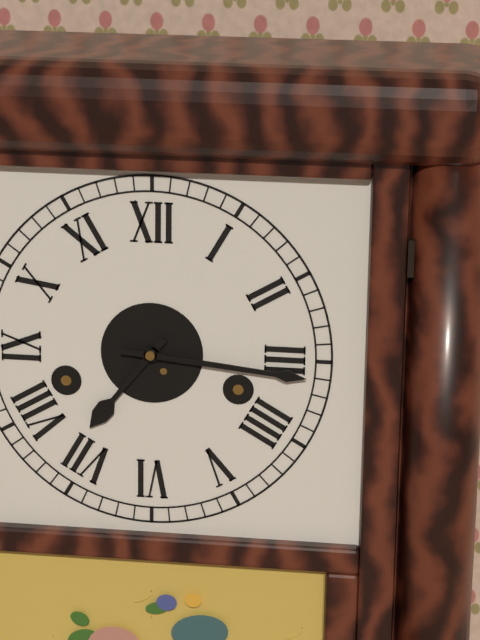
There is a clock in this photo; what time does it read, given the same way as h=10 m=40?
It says h=7 m=16
